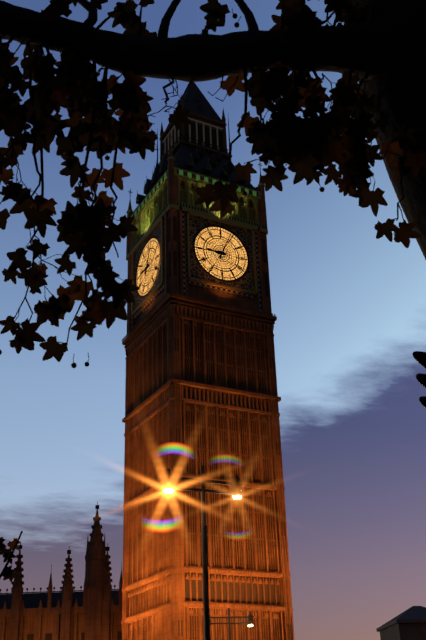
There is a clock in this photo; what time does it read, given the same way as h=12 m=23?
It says h=9 m=4
